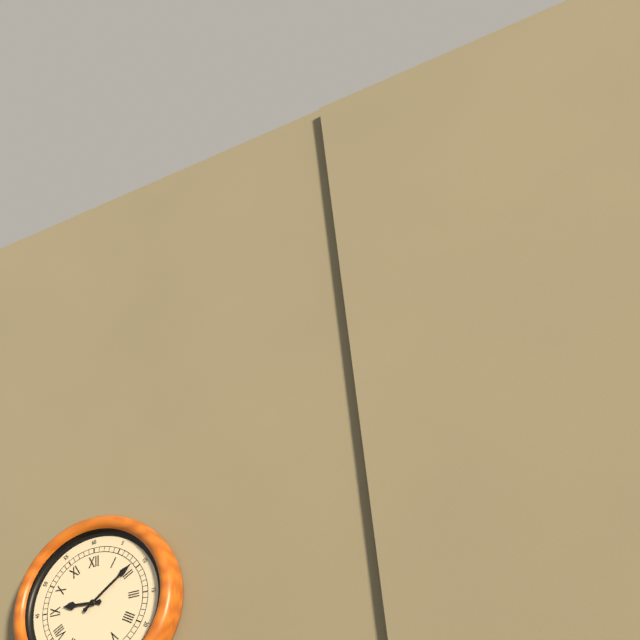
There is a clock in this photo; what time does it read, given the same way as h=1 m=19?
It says h=9 m=9
